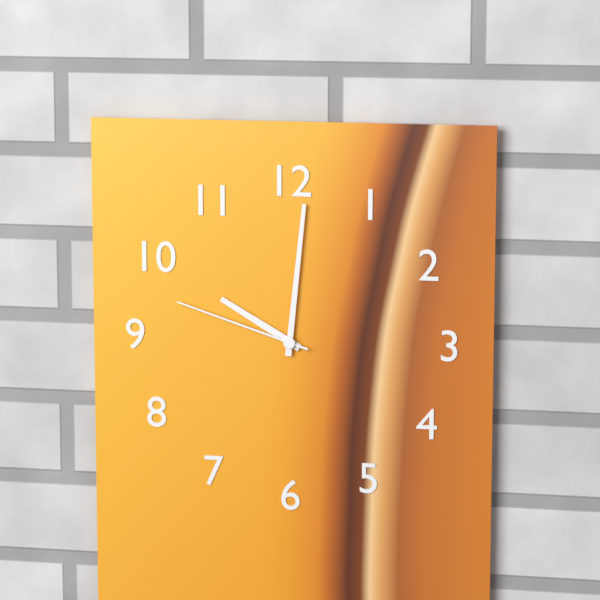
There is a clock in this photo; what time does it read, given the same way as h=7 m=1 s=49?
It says h=10 m=1 s=48
